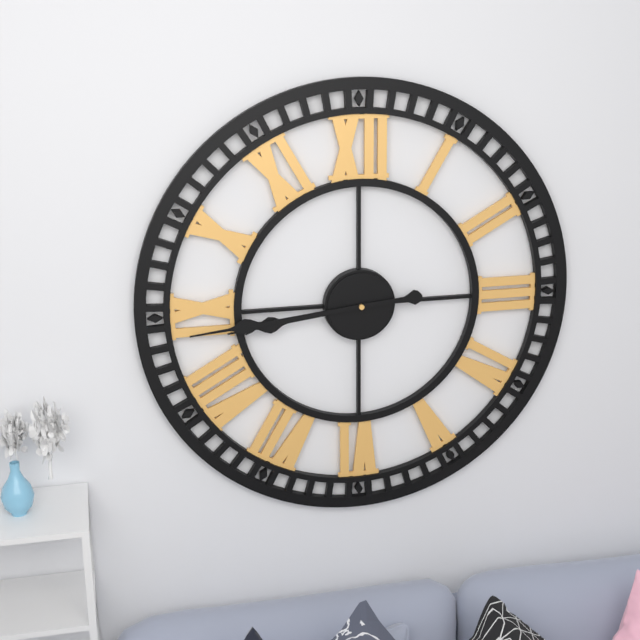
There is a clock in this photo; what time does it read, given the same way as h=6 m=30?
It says h=8 m=44
